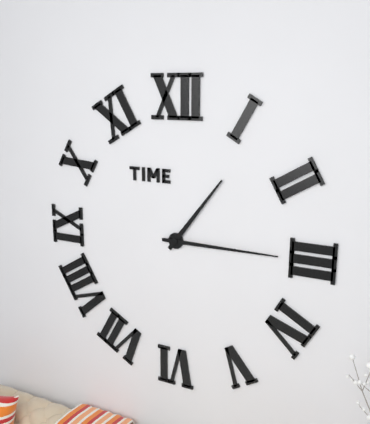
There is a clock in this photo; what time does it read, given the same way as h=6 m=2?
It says h=1 m=15
